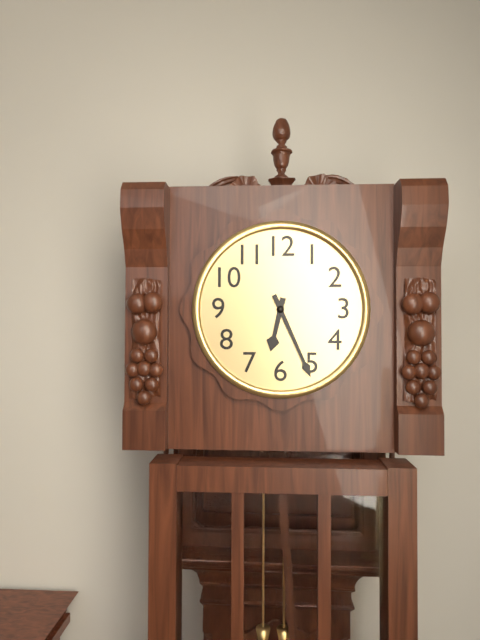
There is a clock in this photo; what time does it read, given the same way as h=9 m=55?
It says h=6 m=26
